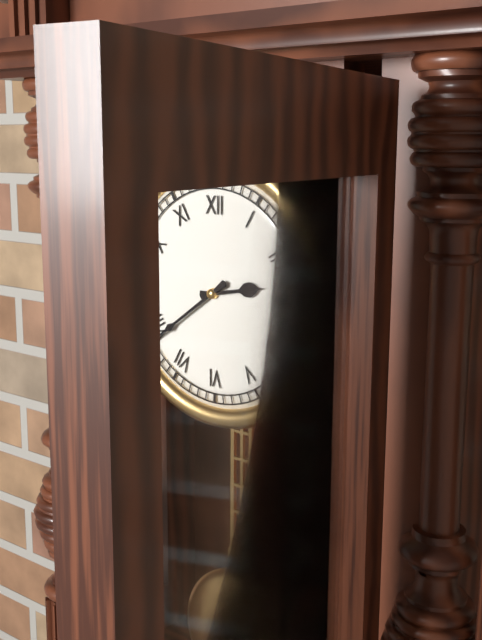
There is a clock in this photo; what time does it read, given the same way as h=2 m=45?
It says h=2 m=39
